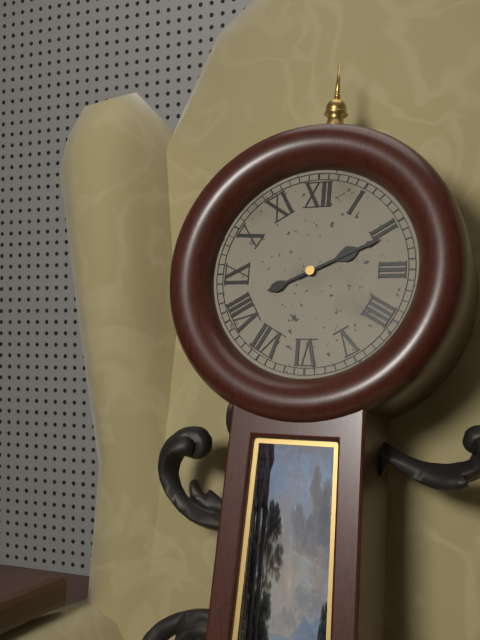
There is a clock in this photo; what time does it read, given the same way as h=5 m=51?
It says h=2 m=11
